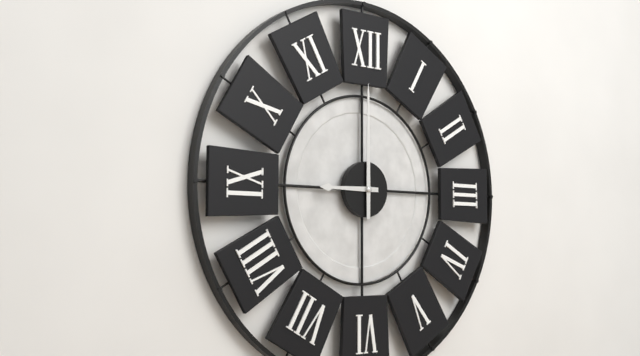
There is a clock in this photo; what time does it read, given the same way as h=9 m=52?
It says h=9 m=0
